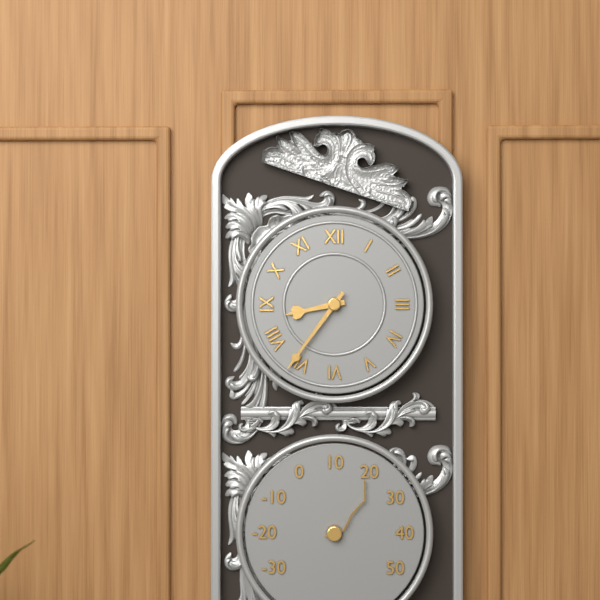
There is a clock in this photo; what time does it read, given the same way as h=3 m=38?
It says h=8 m=36
